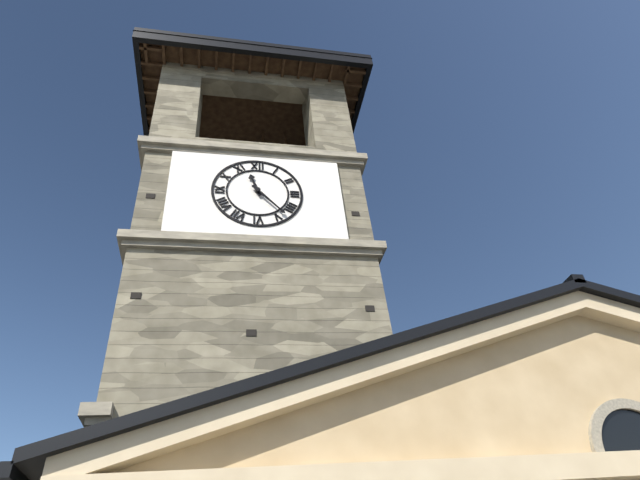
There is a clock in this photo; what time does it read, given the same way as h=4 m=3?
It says h=11 m=23
